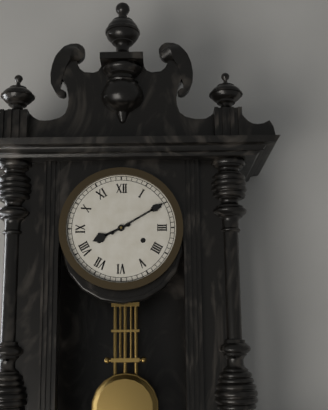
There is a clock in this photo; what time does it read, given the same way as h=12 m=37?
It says h=8 m=10
